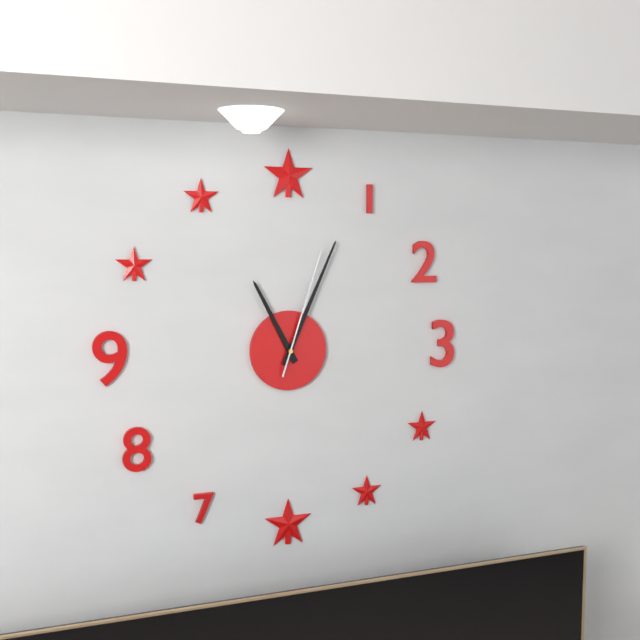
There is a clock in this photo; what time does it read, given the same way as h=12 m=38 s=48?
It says h=11 m=4 s=3
